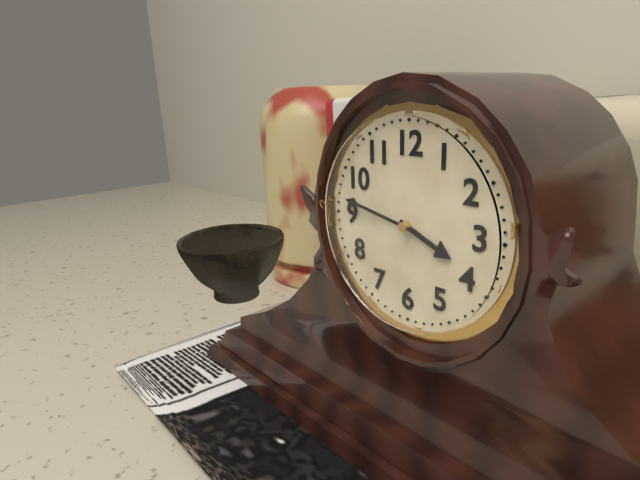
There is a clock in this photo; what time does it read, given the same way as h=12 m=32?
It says h=3 m=47
